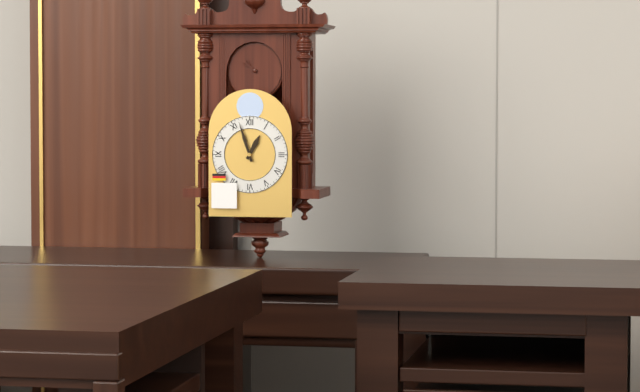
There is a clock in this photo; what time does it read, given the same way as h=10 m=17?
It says h=12 m=57
